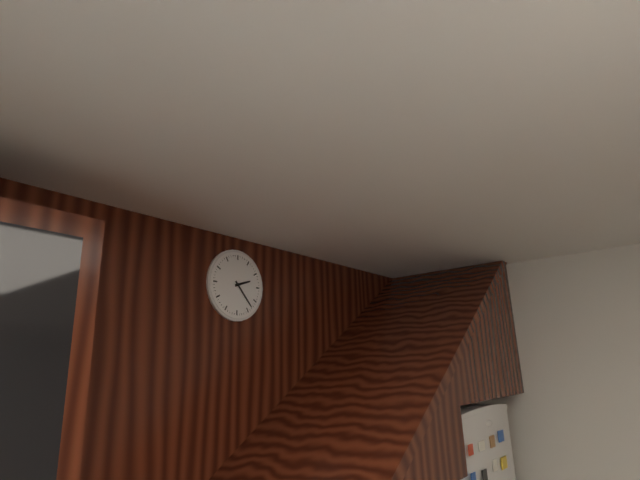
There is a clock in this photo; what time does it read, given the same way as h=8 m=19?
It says h=2 m=23
